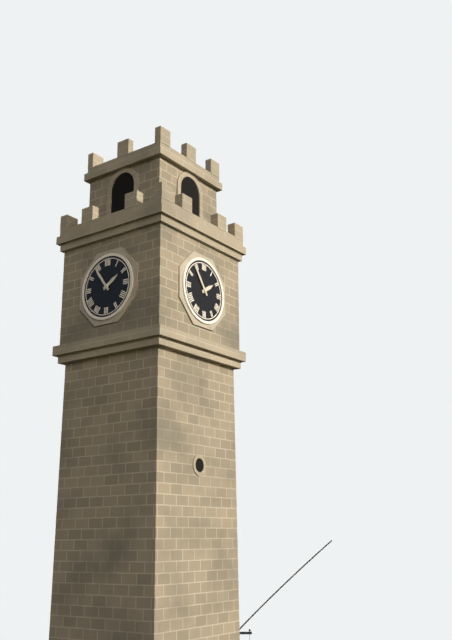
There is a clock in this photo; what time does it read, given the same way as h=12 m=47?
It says h=1 m=54
